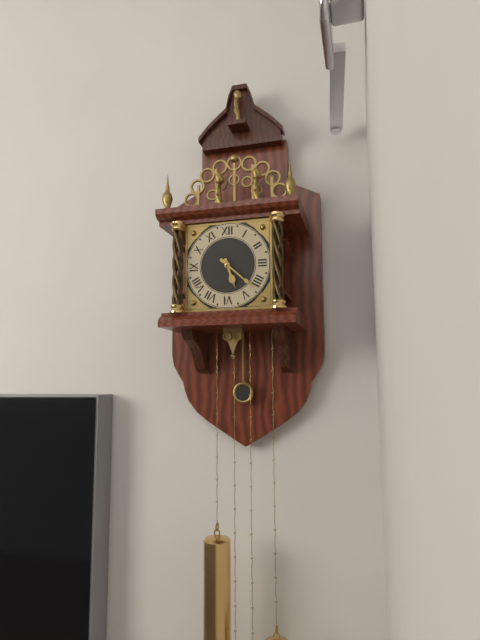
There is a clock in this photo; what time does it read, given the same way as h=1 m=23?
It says h=5 m=22
